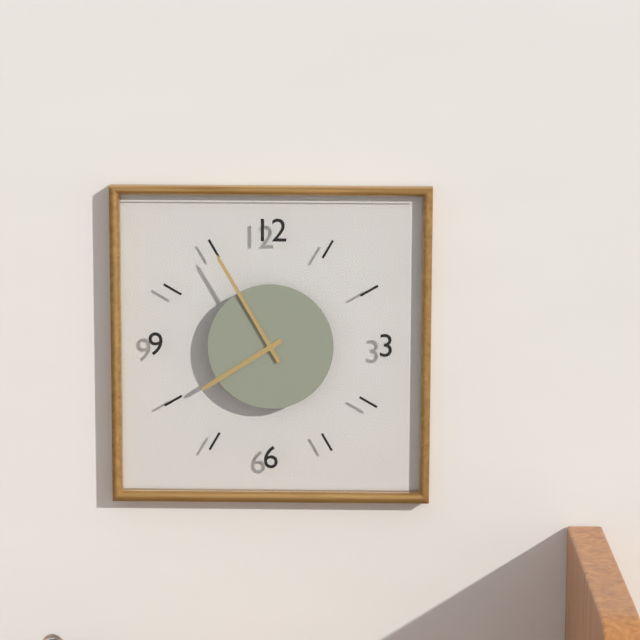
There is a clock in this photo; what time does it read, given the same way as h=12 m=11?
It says h=7 m=55
